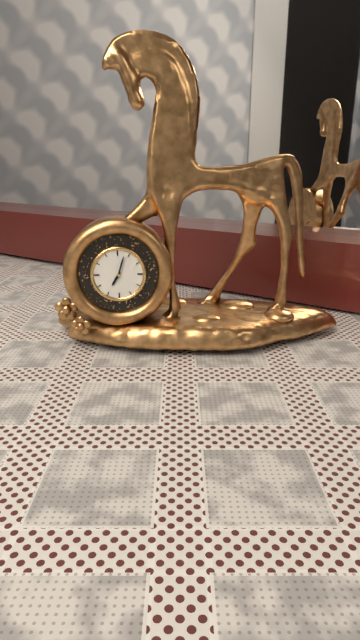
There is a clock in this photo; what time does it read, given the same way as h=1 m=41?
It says h=7 m=3
